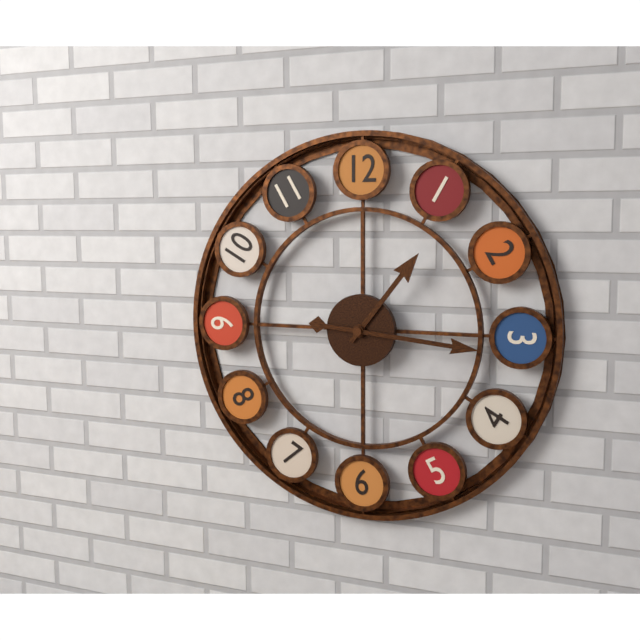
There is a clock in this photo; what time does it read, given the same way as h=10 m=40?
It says h=1 m=16
